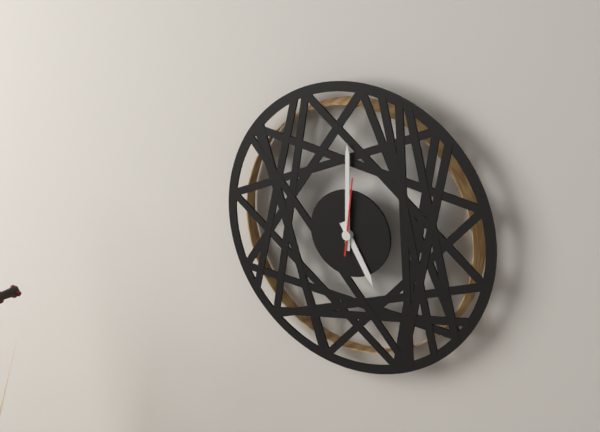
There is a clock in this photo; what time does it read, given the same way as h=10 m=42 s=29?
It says h=5 m=0 s=1
